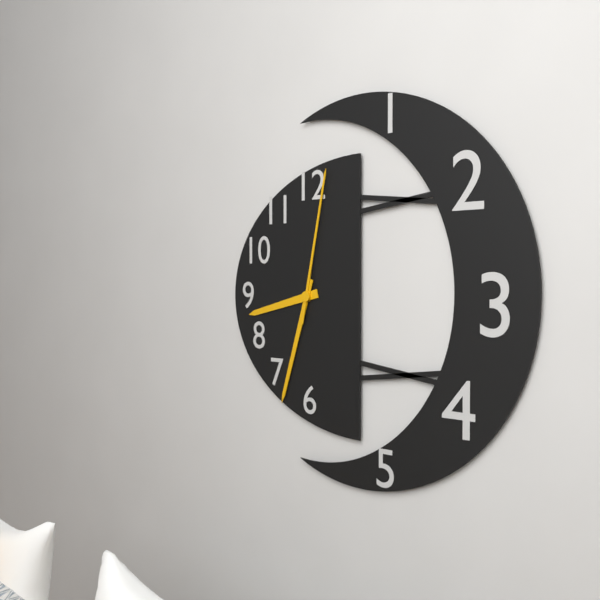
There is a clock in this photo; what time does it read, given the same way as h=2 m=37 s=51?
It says h=8 m=33 s=2
